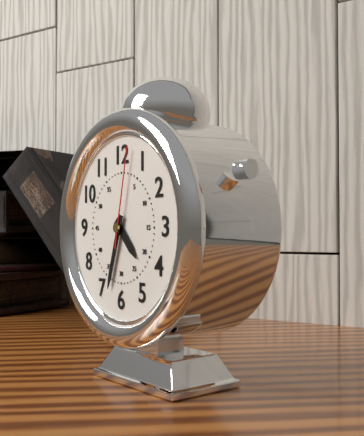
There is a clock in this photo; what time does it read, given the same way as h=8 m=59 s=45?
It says h=4 m=33 s=2
